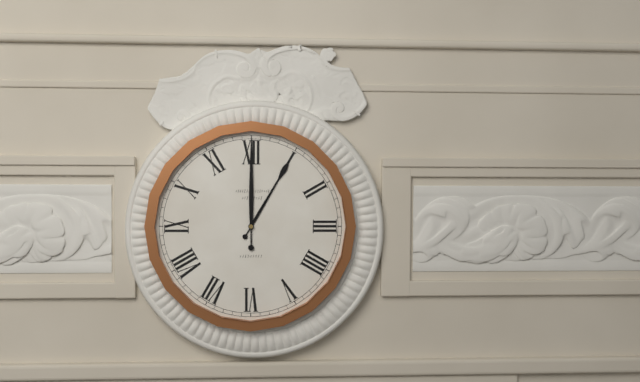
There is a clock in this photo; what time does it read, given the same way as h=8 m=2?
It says h=1 m=0
